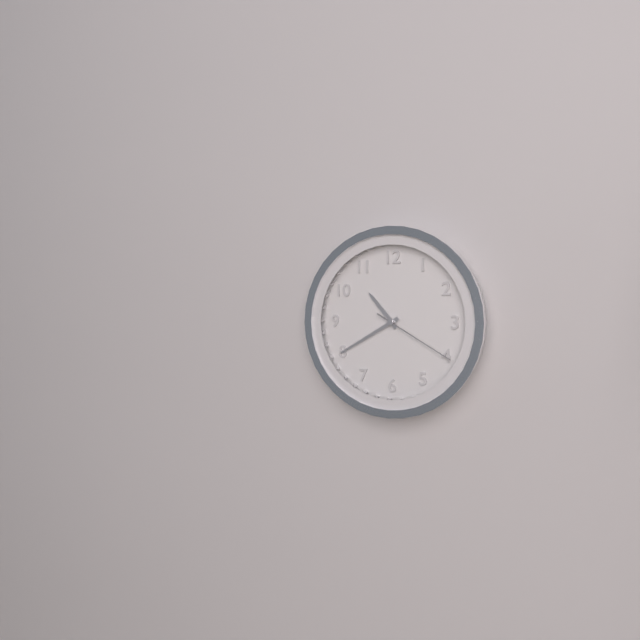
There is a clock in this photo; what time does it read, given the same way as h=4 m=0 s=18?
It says h=10 m=40 s=20
